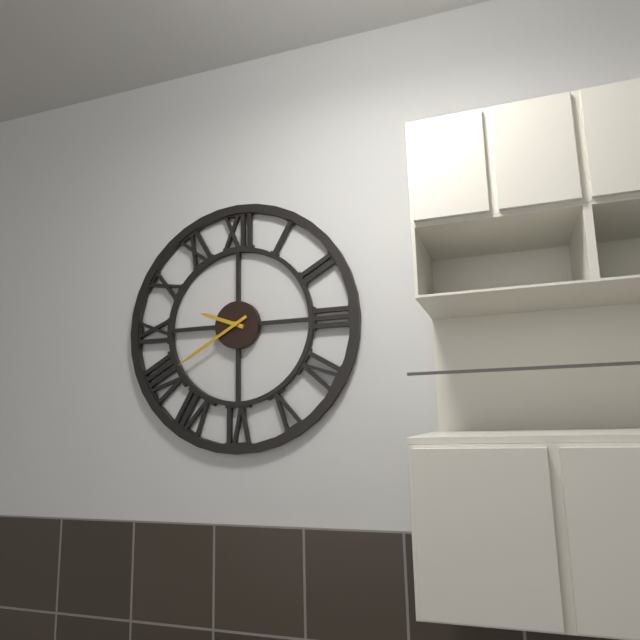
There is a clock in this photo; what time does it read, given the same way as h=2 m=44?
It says h=9 m=40
